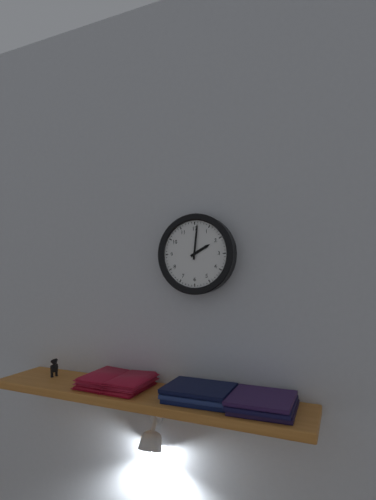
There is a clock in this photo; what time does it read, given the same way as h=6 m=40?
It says h=2 m=1
